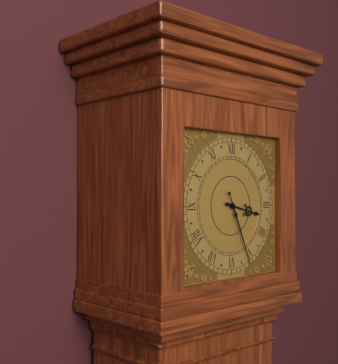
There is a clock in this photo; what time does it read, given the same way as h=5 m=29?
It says h=3 m=26
